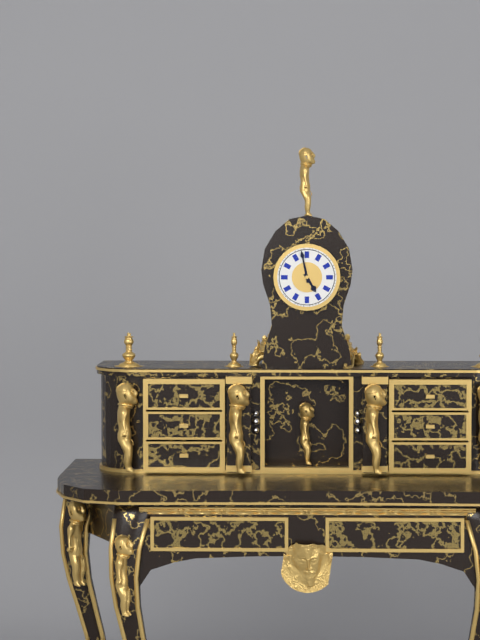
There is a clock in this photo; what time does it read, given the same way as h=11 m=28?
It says h=4 m=58
